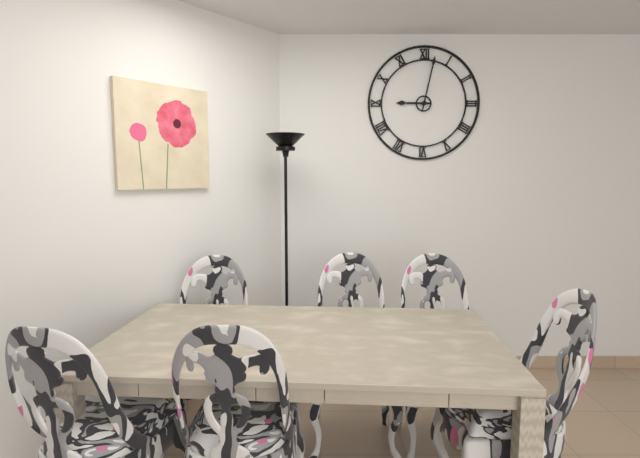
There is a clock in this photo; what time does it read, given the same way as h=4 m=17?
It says h=9 m=2
